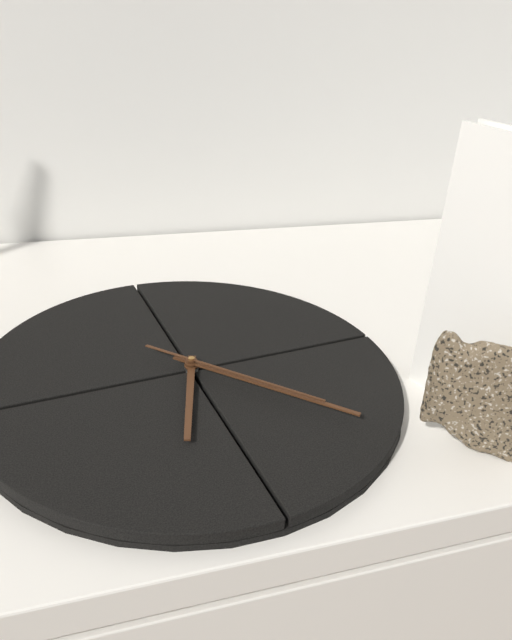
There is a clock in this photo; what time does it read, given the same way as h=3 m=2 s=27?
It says h=7 m=27 s=27
